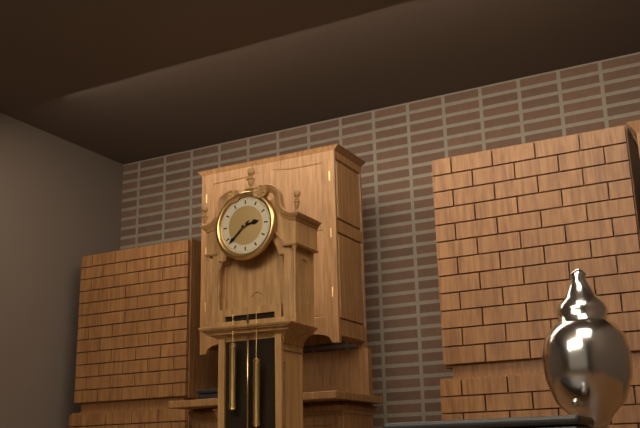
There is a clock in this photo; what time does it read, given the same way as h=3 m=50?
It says h=2 m=38
